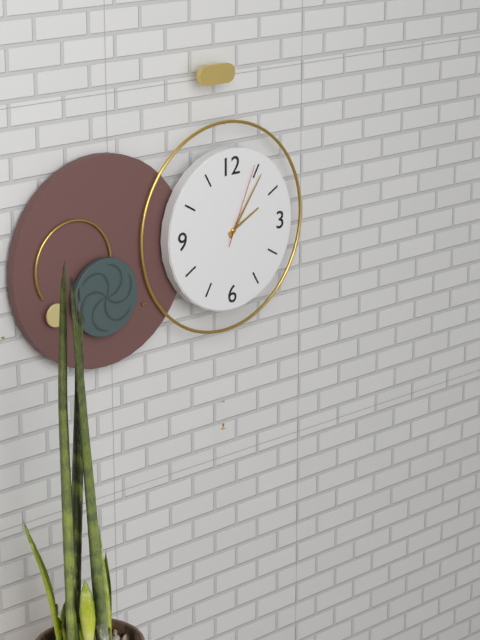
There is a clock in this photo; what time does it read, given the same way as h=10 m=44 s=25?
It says h=2 m=6 s=4
